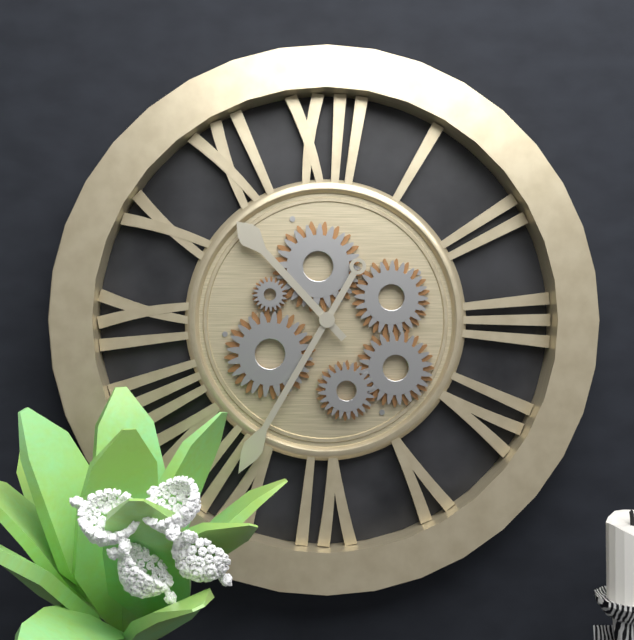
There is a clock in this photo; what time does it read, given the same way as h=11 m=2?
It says h=10 m=35
